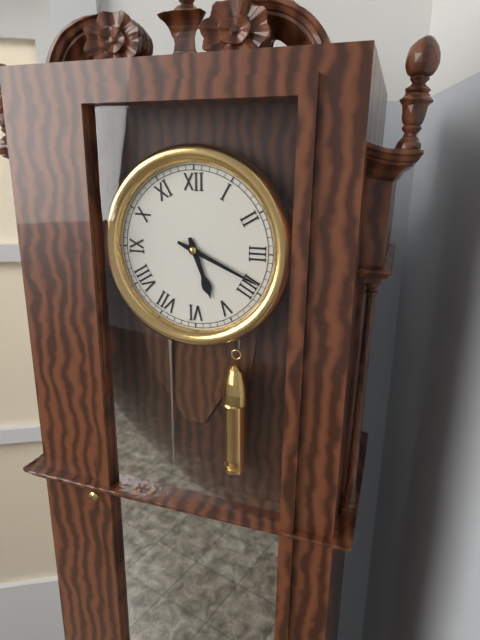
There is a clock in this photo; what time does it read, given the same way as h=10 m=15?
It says h=5 m=19
